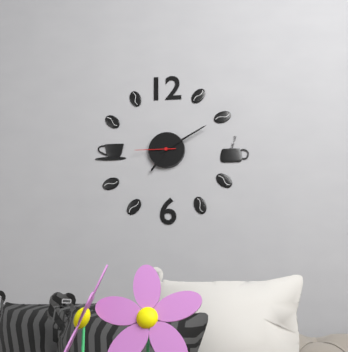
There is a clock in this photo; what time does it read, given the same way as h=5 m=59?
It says h=7 m=10
